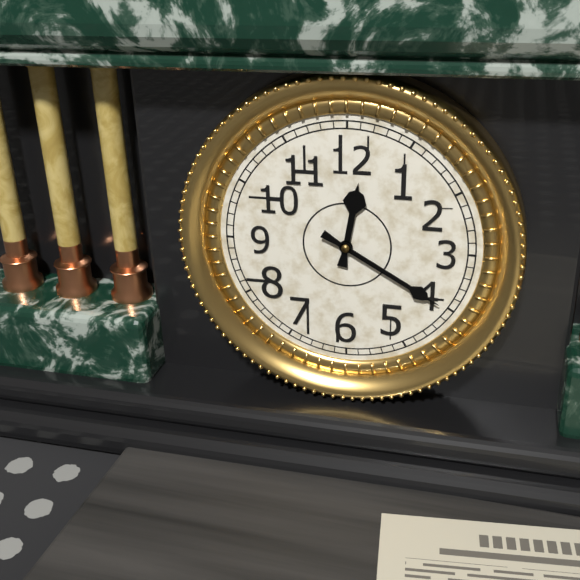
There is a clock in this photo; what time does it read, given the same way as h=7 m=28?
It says h=12 m=20
